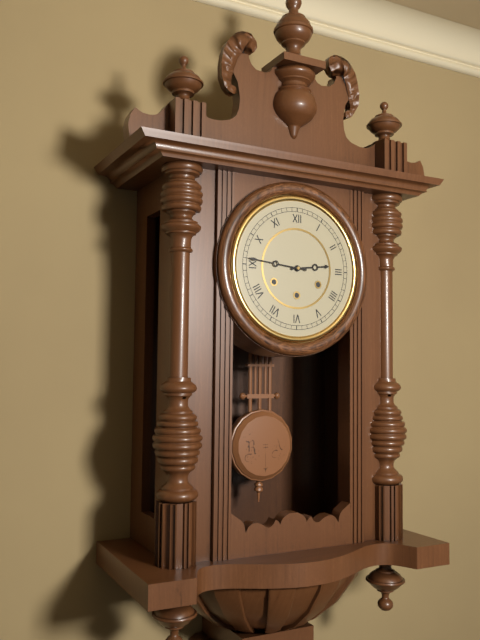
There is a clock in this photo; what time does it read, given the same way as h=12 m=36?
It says h=2 m=46
